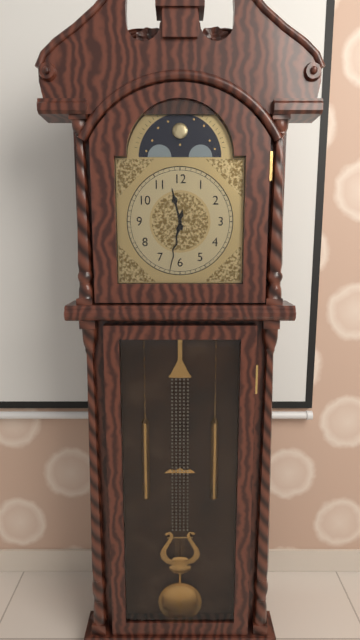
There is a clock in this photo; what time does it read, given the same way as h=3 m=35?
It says h=11 m=32
